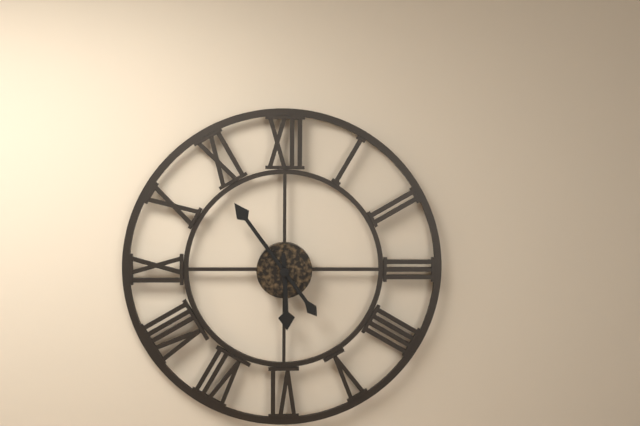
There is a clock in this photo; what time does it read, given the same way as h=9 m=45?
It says h=5 m=54
